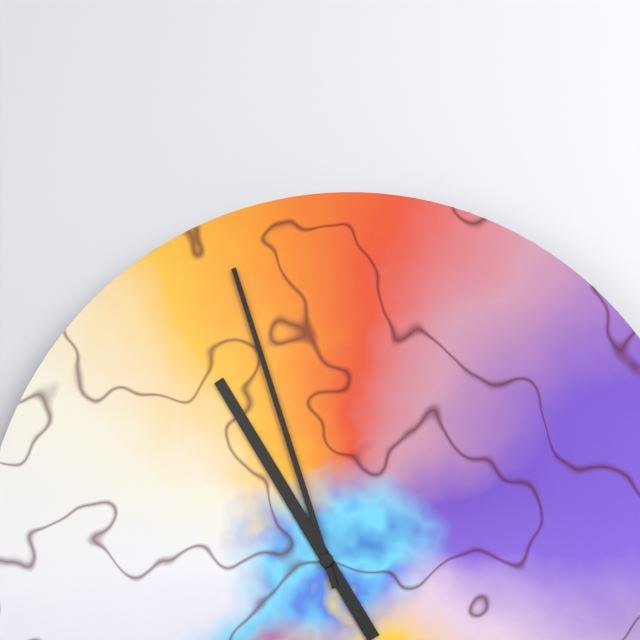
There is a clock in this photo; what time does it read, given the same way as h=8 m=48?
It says h=10 m=57
